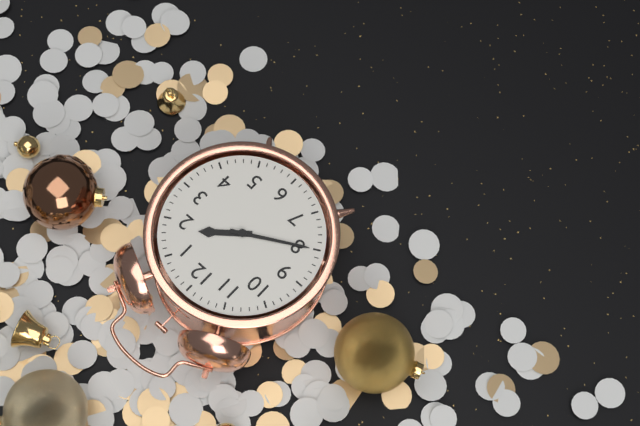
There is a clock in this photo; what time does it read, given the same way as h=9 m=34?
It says h=1 m=40
